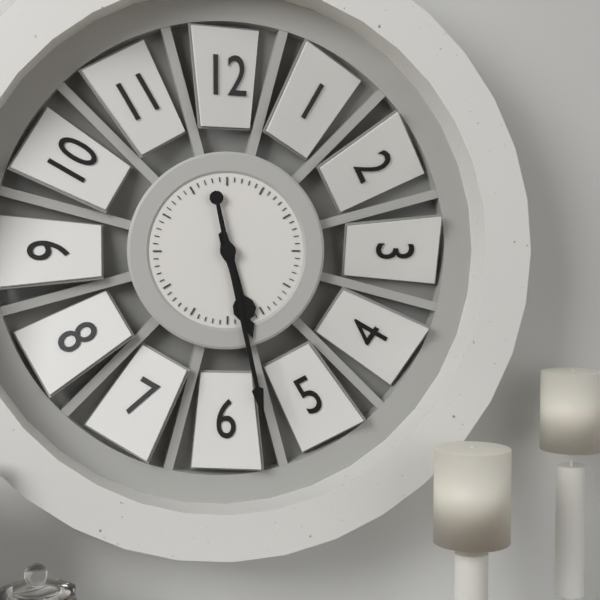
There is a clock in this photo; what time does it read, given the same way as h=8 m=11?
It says h=5 m=28
